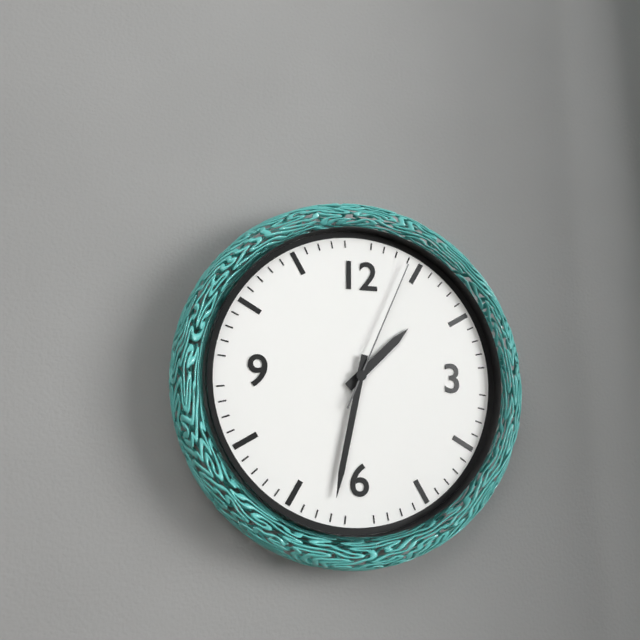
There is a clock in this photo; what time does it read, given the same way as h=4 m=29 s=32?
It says h=1 m=32 s=4
